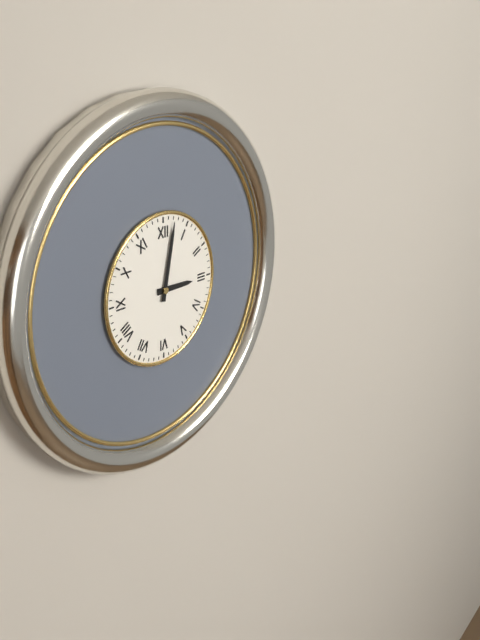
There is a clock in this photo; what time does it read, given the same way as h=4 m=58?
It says h=3 m=2
